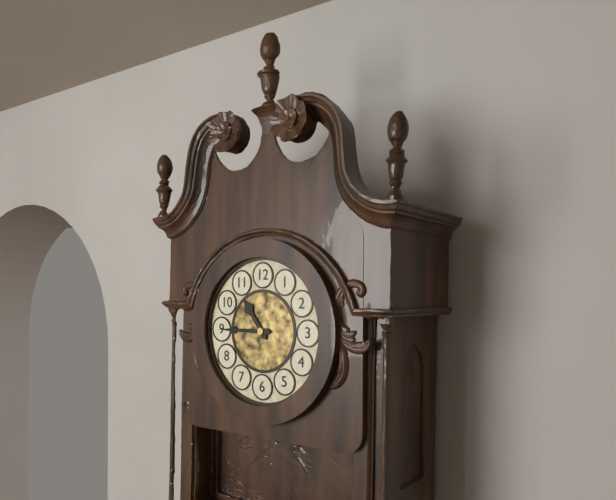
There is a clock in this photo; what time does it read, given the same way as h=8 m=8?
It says h=10 m=45
